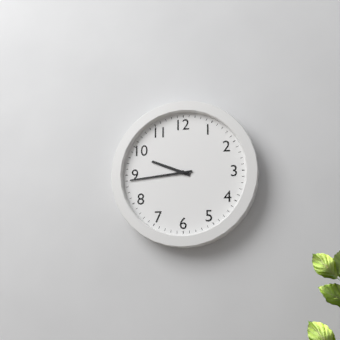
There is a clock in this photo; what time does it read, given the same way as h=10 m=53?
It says h=9 m=44
